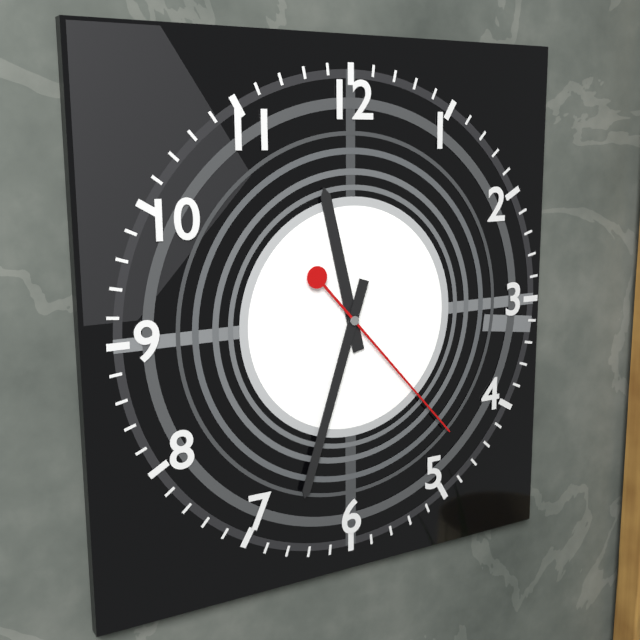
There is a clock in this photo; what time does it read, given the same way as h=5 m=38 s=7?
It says h=11 m=33 s=23
